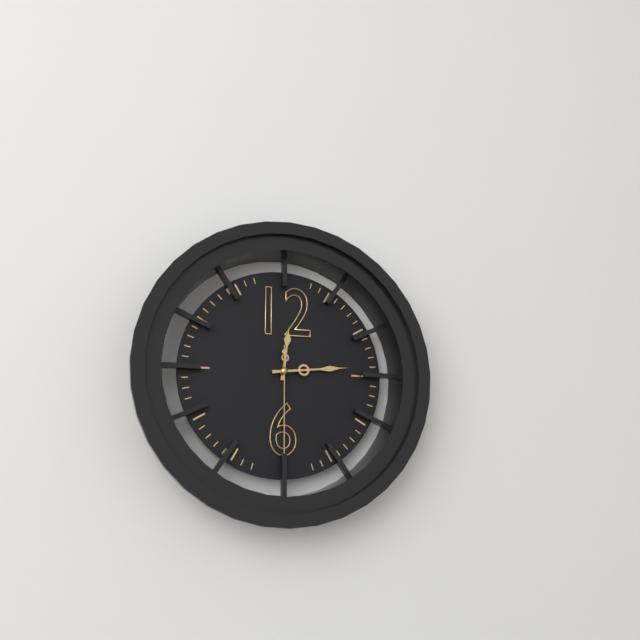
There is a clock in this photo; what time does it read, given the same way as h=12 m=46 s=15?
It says h=12 m=14 s=30
